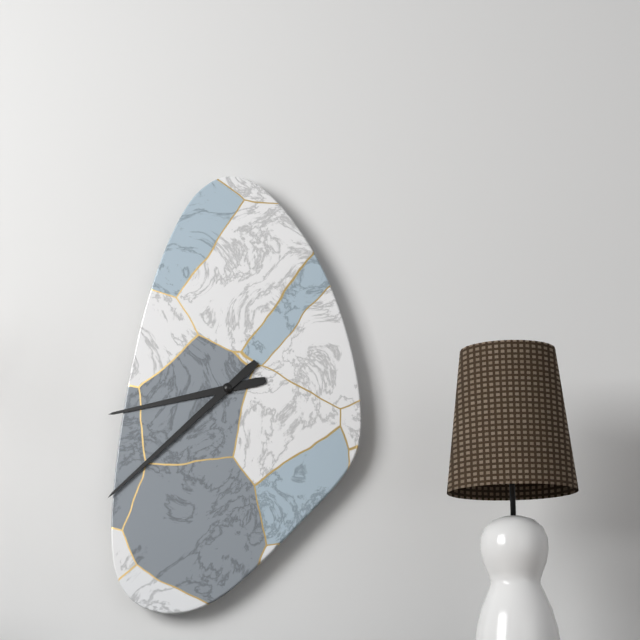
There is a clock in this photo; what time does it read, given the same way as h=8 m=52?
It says h=8 m=38
